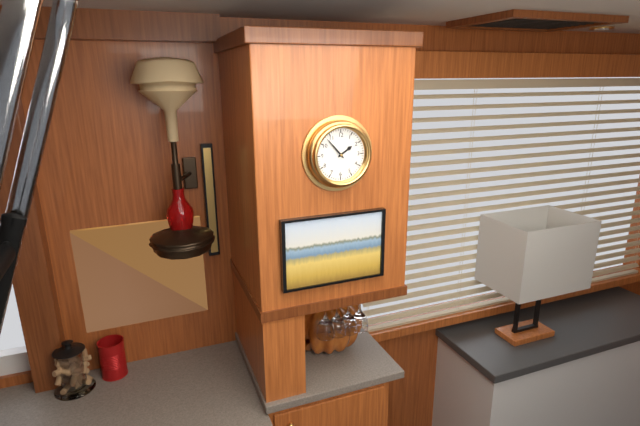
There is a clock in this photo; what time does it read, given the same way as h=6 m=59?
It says h=1 m=53
